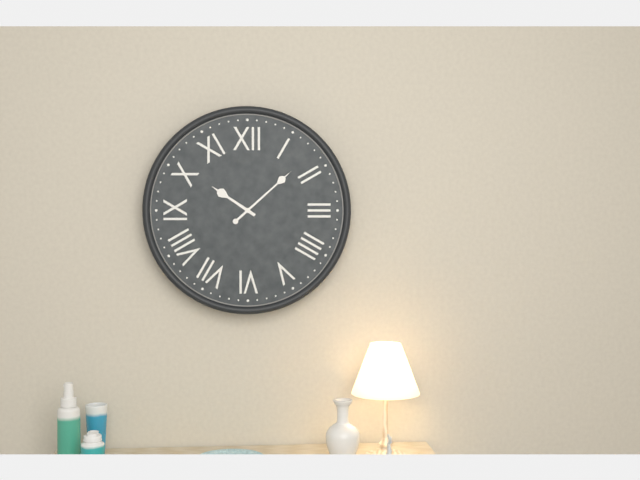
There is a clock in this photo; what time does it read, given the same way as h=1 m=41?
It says h=10 m=8
